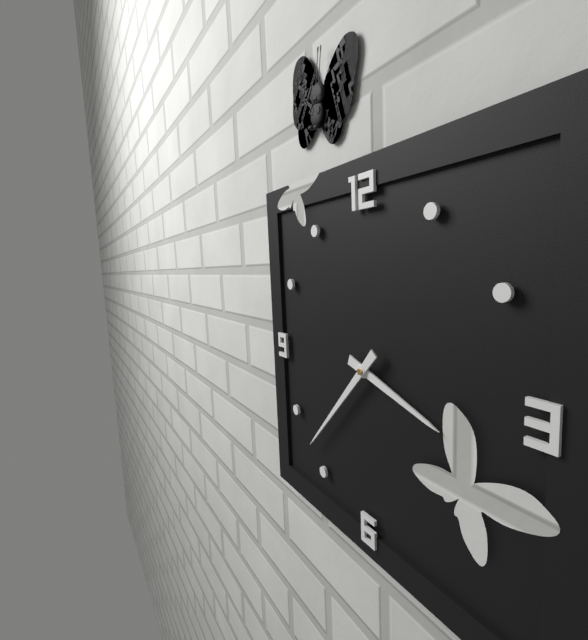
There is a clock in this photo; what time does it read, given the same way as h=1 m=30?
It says h=3 m=37
